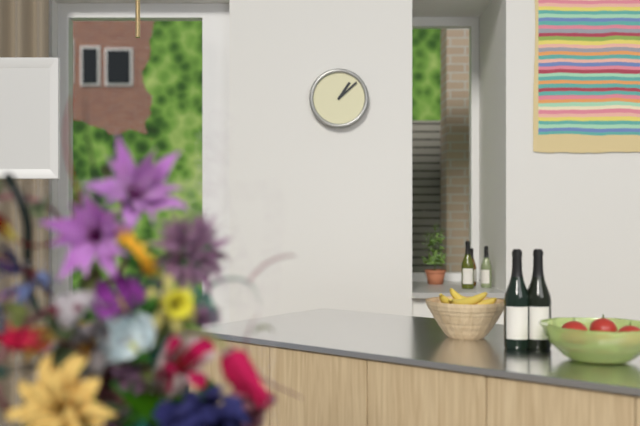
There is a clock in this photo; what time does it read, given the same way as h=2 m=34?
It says h=1 m=8
